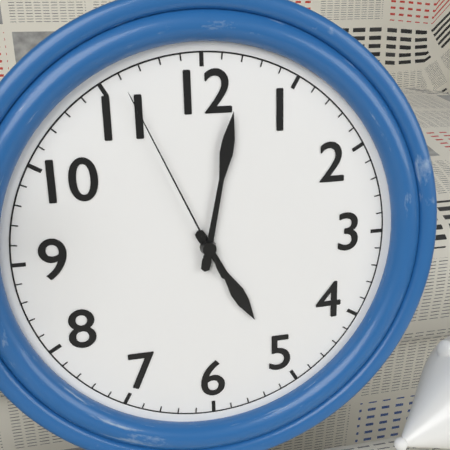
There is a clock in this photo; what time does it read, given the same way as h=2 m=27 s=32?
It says h=5 m=2 s=56
